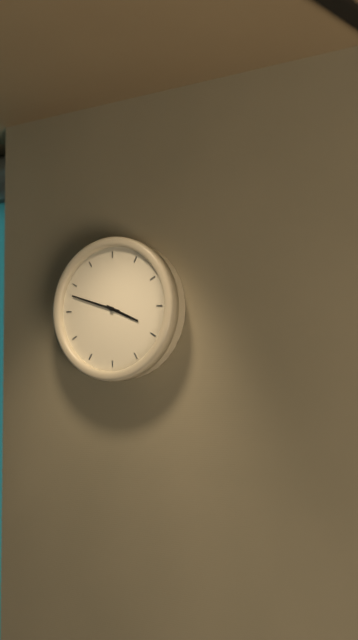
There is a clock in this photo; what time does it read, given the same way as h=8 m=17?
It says h=3 m=48
